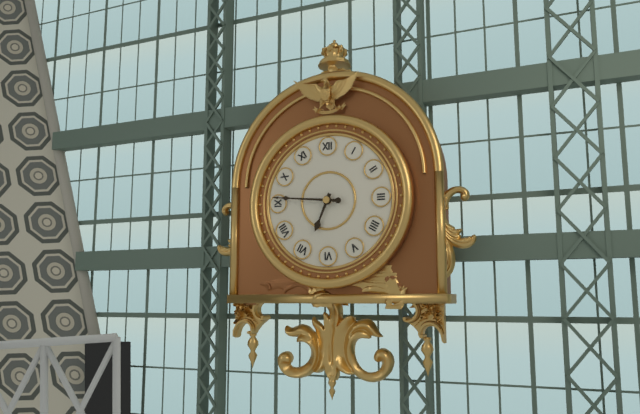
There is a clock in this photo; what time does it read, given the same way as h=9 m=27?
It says h=6 m=46
